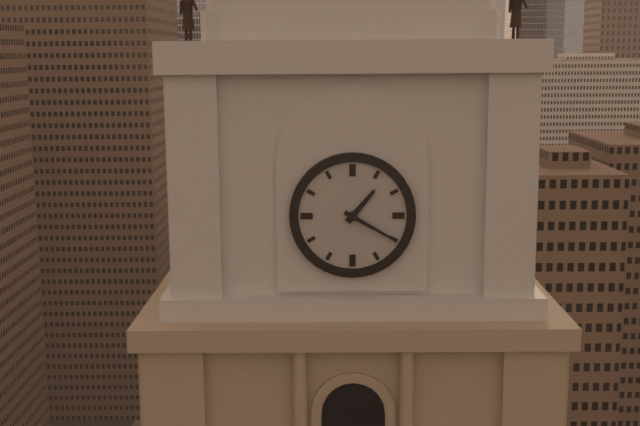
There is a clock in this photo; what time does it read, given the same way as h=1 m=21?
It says h=1 m=20
